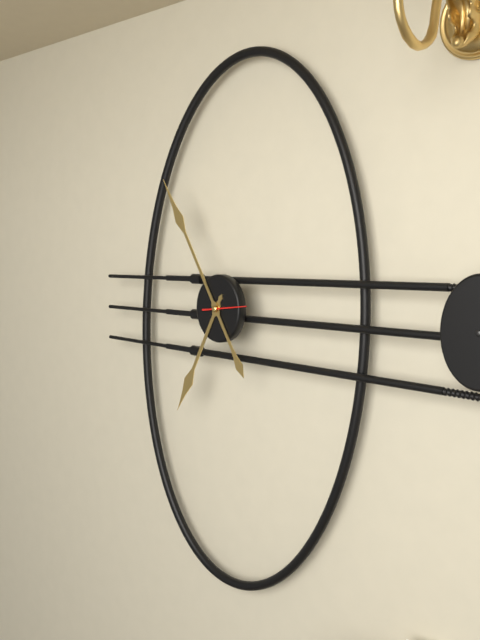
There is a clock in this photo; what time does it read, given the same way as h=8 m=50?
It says h=6 m=55
